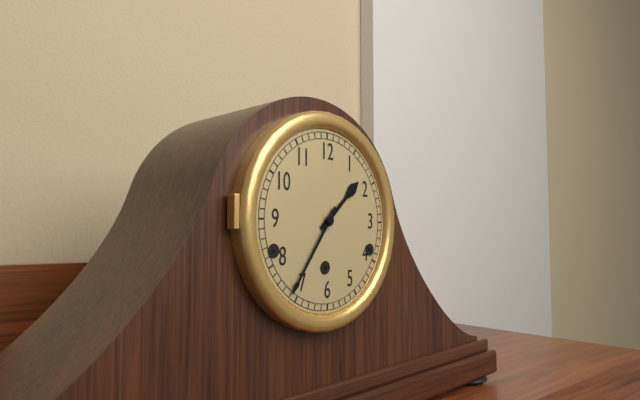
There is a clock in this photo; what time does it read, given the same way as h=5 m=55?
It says h=1 m=36
